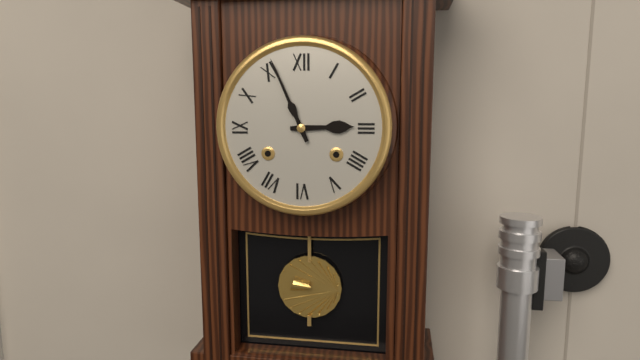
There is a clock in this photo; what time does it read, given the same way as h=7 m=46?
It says h=2 m=56
